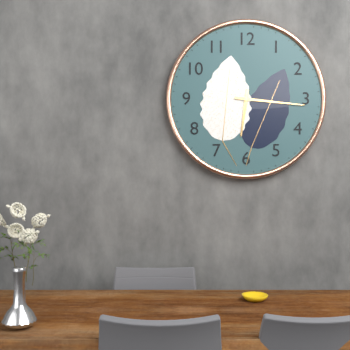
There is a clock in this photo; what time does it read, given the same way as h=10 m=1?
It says h=6 m=16
